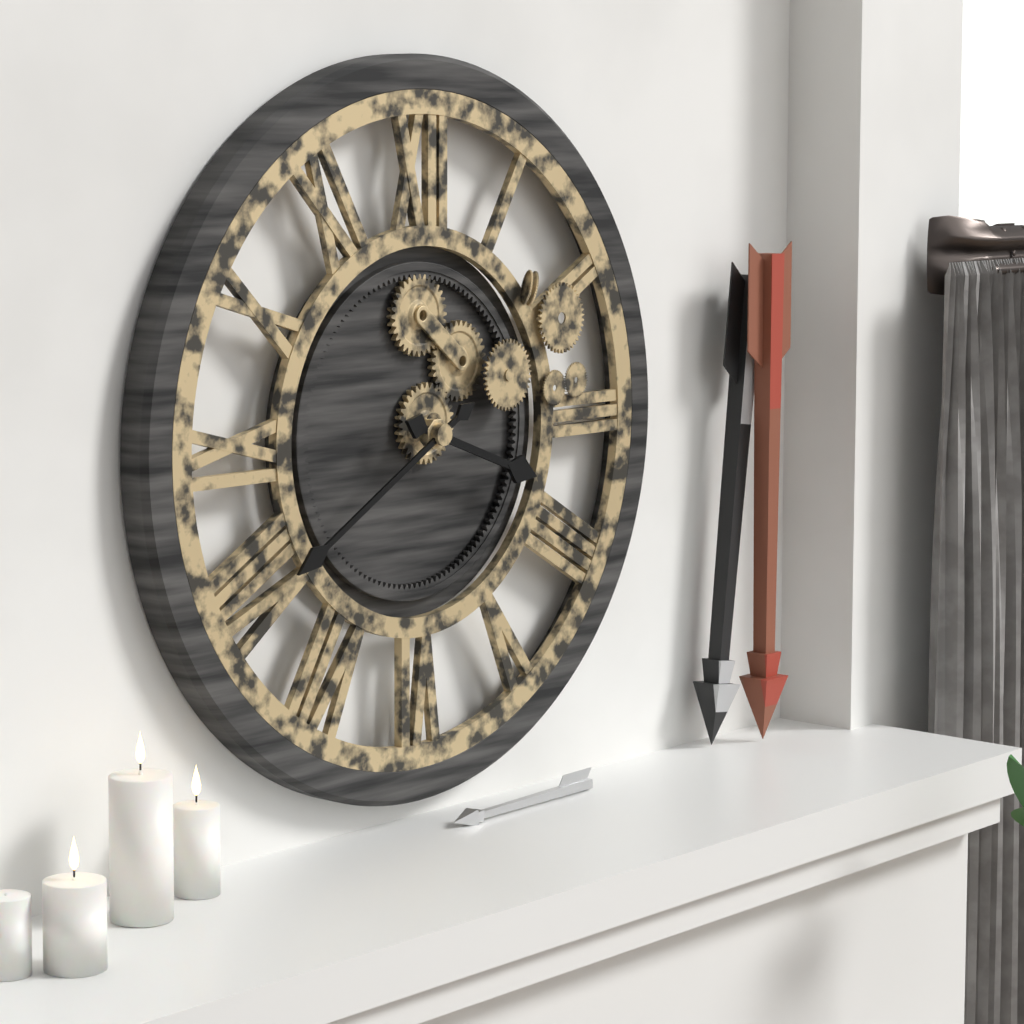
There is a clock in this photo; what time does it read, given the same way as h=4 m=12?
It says h=3 m=40
